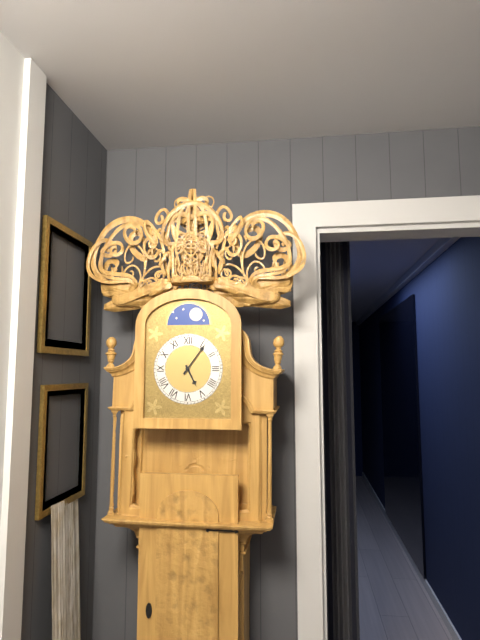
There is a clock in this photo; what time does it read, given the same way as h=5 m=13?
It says h=5 m=6
